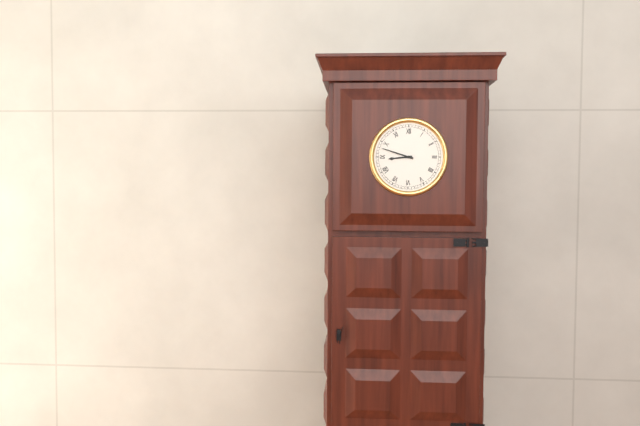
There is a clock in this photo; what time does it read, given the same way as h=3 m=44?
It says h=8 m=48
